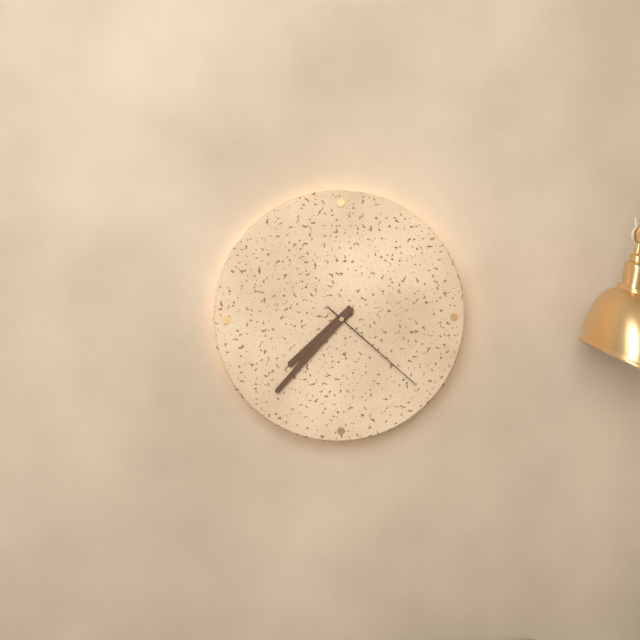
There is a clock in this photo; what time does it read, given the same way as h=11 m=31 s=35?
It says h=7 m=37 s=22
